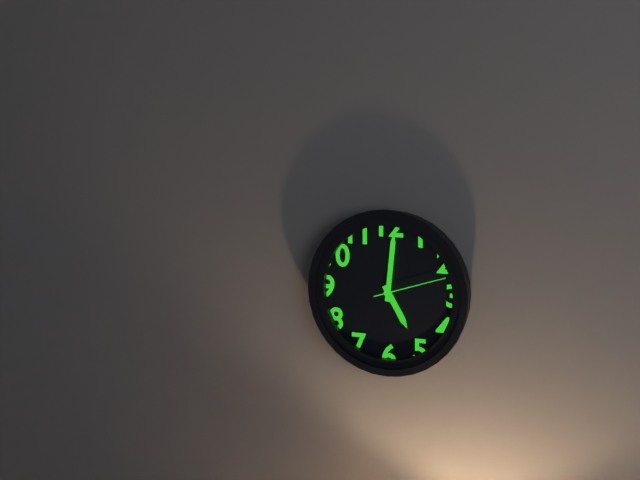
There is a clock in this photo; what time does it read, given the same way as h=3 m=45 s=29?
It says h=5 m=1 s=12
